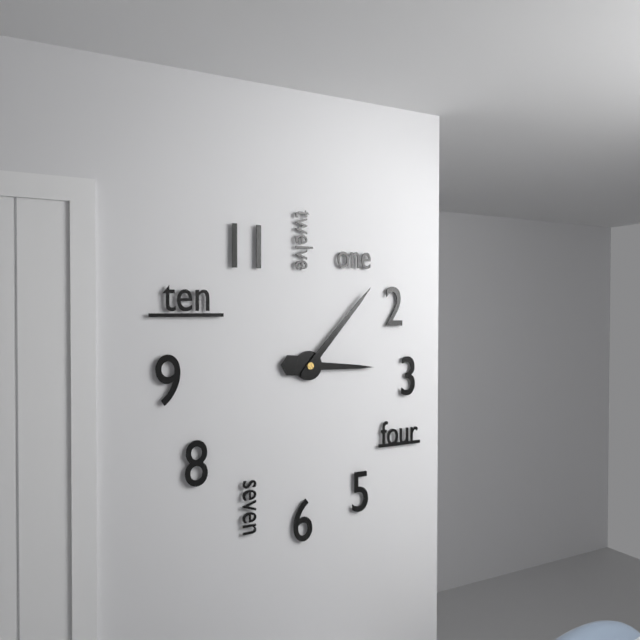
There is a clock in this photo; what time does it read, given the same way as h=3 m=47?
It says h=3 m=7
